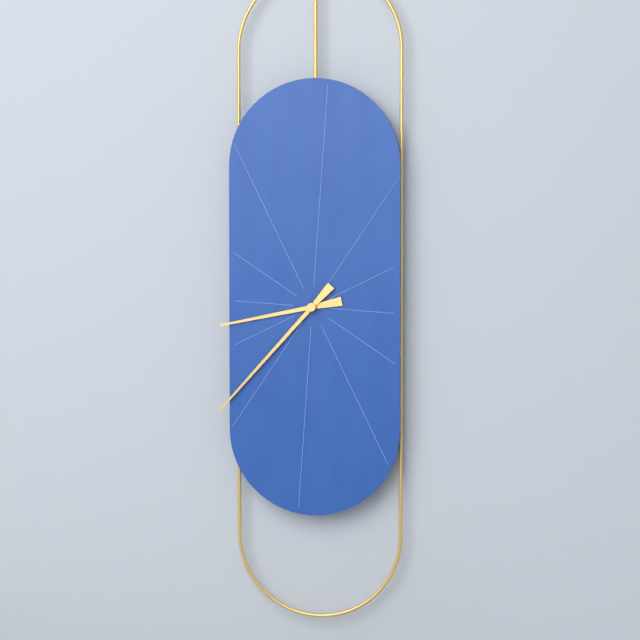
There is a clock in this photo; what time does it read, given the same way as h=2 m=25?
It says h=8 m=37
